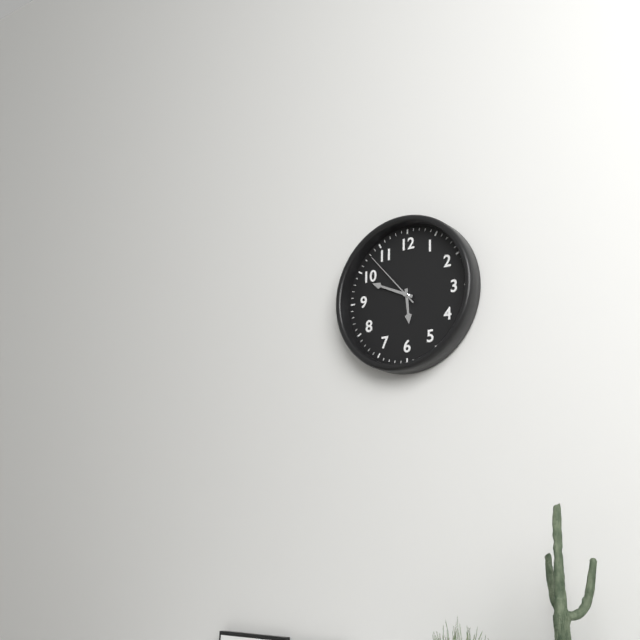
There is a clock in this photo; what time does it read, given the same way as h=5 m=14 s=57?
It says h=5 m=49 s=53
